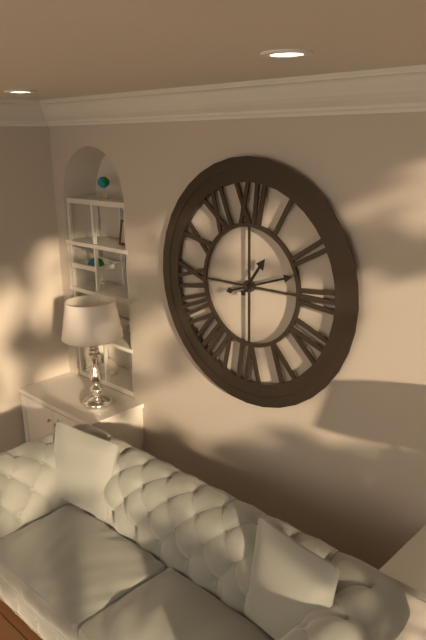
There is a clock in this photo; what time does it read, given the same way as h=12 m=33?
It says h=1 m=12
